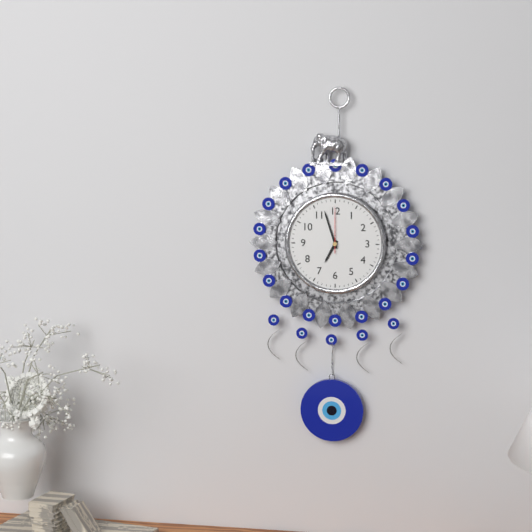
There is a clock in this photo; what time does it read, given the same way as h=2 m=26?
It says h=6 m=57
